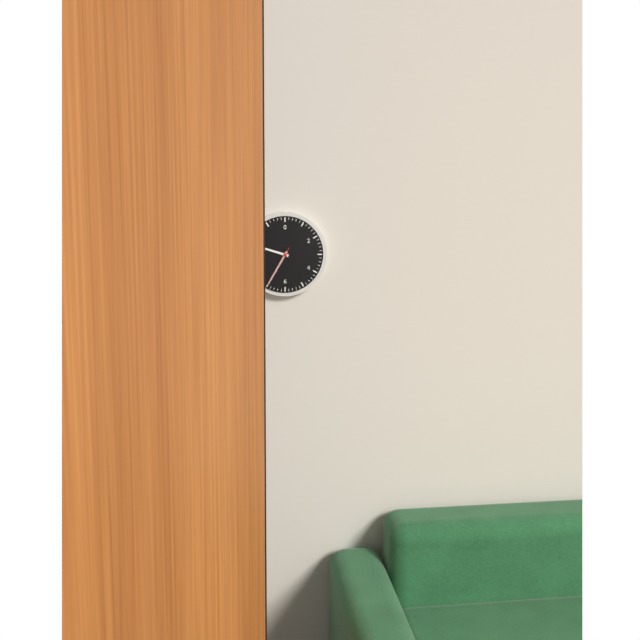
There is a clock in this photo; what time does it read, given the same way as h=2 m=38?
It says h=9 m=35
